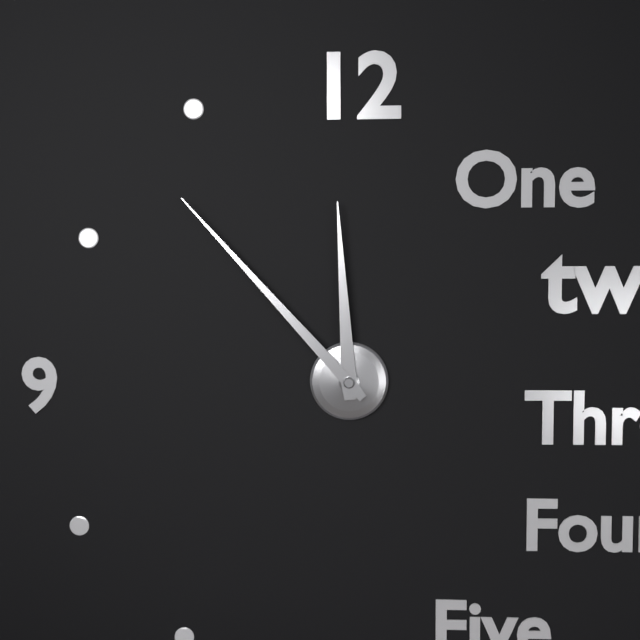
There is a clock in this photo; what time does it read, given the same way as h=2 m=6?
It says h=11 m=53
